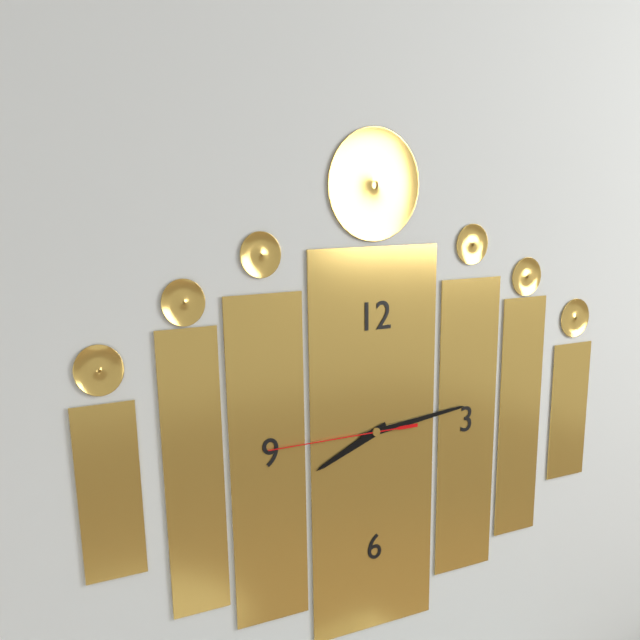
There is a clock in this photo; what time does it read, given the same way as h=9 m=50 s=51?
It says h=8 m=14 s=45
